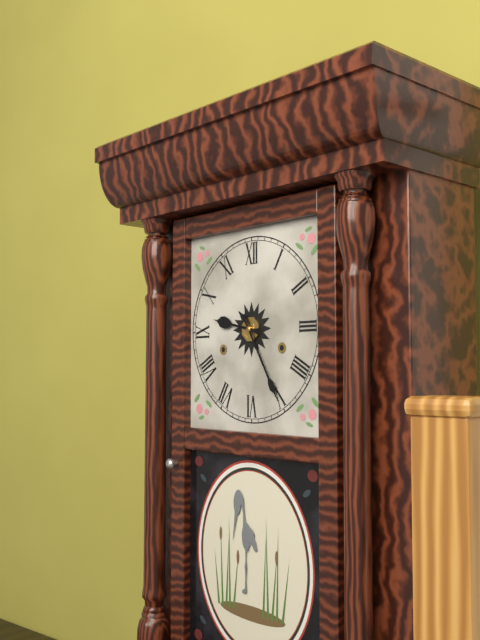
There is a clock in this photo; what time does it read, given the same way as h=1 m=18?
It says h=9 m=25
